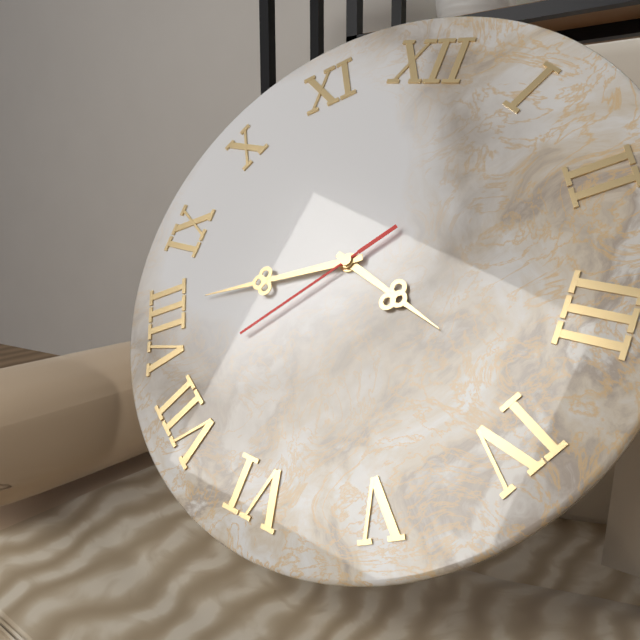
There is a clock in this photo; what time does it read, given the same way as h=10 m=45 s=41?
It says h=3 m=41 s=37
